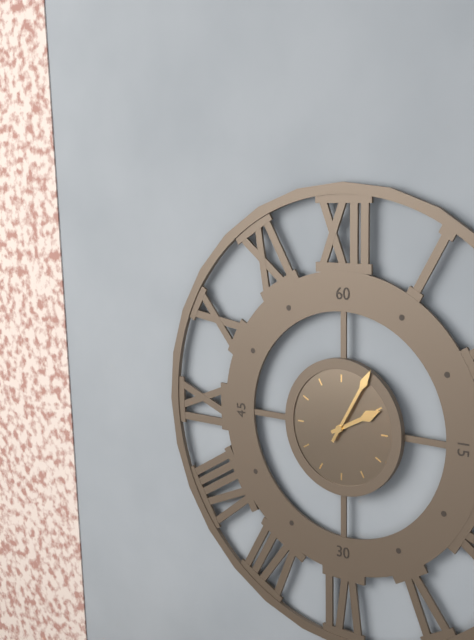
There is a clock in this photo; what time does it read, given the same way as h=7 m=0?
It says h=2 m=5
